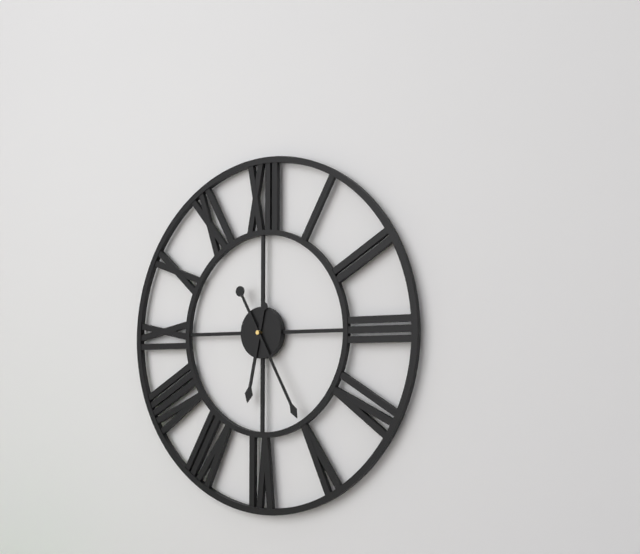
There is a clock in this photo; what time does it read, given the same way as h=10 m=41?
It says h=6 m=25
